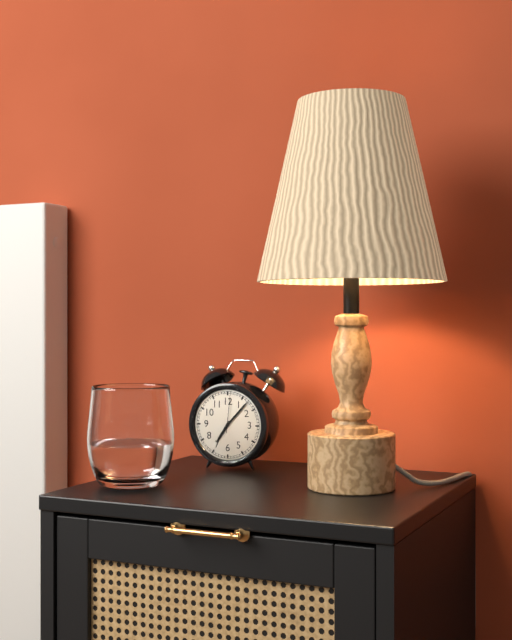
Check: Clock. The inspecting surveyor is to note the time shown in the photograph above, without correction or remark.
7:07
